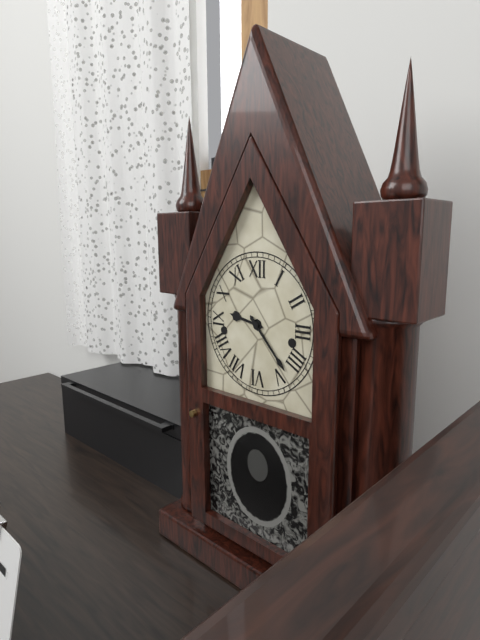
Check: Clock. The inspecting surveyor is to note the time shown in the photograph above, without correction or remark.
9:23
